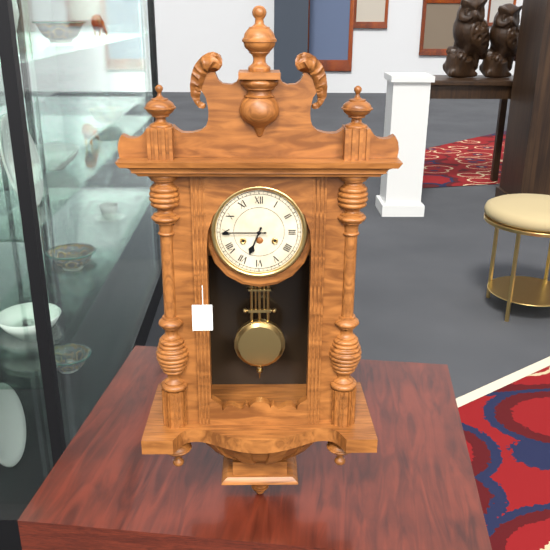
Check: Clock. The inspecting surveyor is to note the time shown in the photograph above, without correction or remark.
6:45
